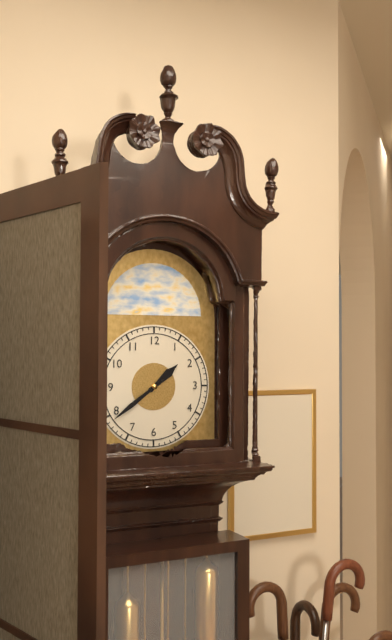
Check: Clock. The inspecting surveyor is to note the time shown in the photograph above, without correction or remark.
1:39
